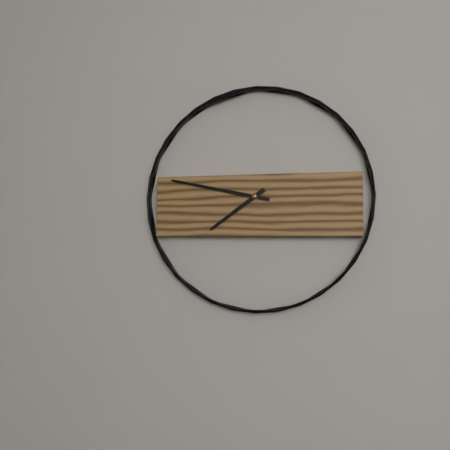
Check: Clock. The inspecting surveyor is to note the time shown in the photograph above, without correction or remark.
7:47
